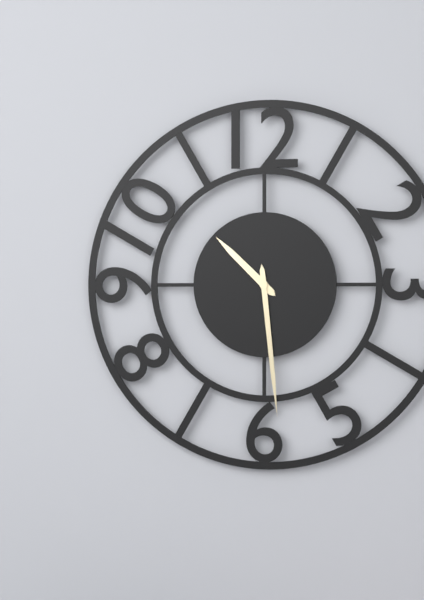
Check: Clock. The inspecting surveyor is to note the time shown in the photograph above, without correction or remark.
10:29
